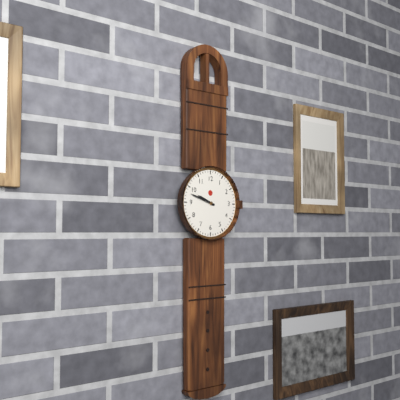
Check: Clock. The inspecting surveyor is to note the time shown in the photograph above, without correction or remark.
9:48
